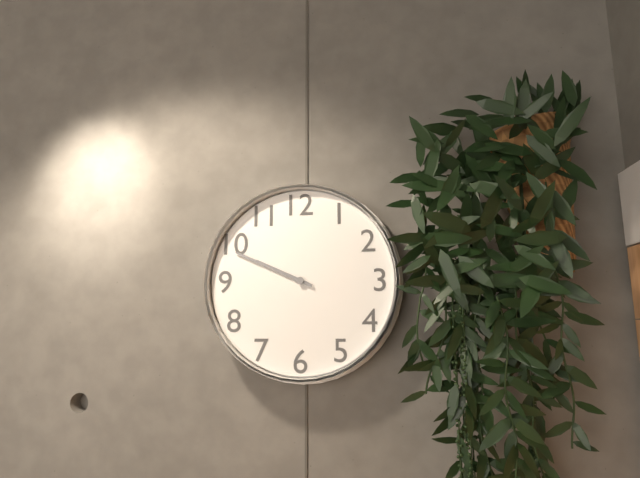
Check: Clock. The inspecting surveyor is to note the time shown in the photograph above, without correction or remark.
9:49
